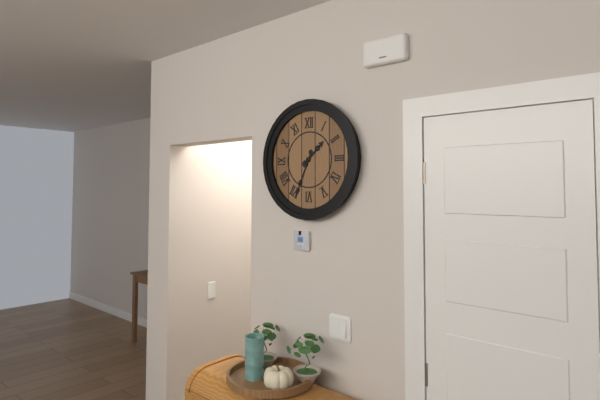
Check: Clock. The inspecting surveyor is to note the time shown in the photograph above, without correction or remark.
1:34
